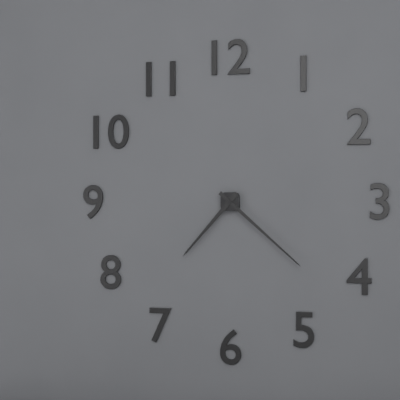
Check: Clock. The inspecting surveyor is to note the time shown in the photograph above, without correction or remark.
7:22
